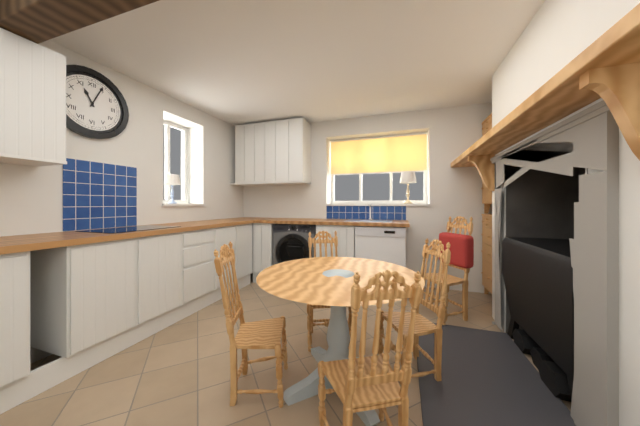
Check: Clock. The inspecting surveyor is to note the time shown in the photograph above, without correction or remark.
11:04
